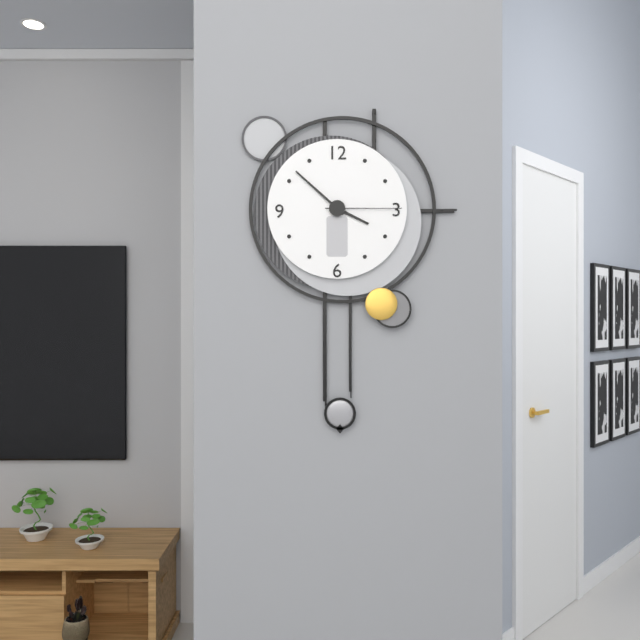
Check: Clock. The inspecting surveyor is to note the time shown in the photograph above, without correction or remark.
3:52:15
